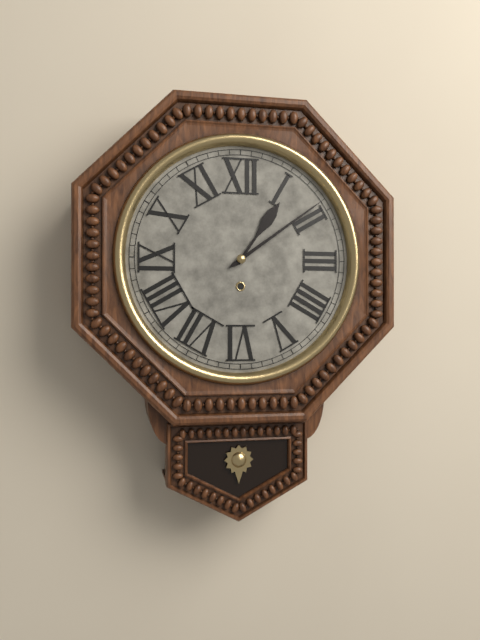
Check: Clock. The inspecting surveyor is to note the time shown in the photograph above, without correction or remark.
1:09
